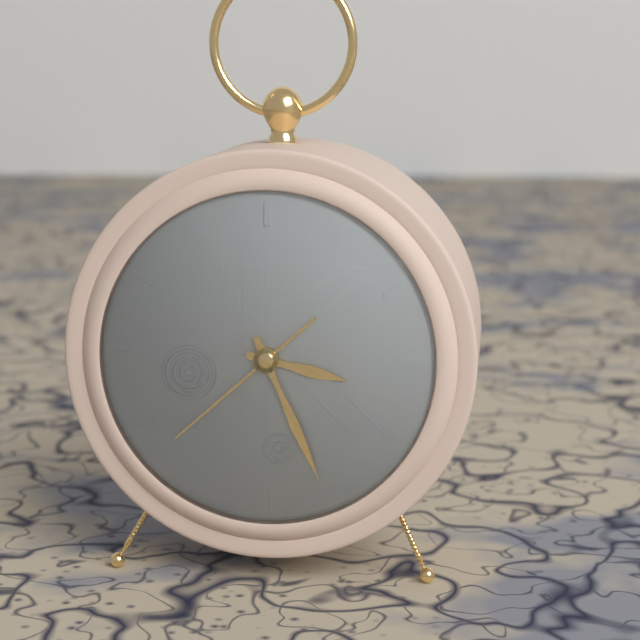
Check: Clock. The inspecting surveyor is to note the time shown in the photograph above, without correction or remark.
3:26:38
